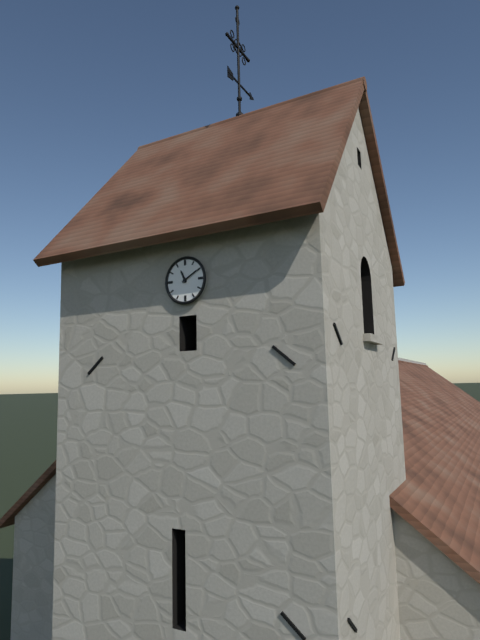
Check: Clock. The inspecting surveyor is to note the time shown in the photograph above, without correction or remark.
11:10
